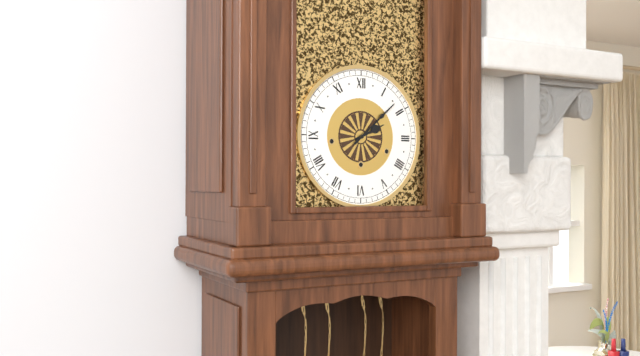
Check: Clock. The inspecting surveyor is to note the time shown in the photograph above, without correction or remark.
2:08
